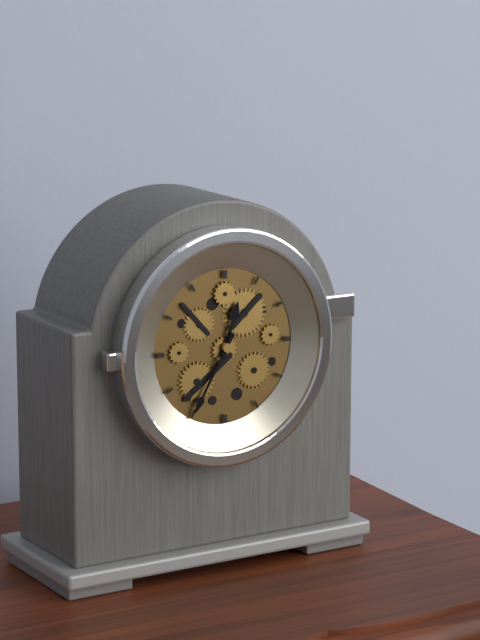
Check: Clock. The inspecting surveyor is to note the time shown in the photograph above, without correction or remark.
12:35
